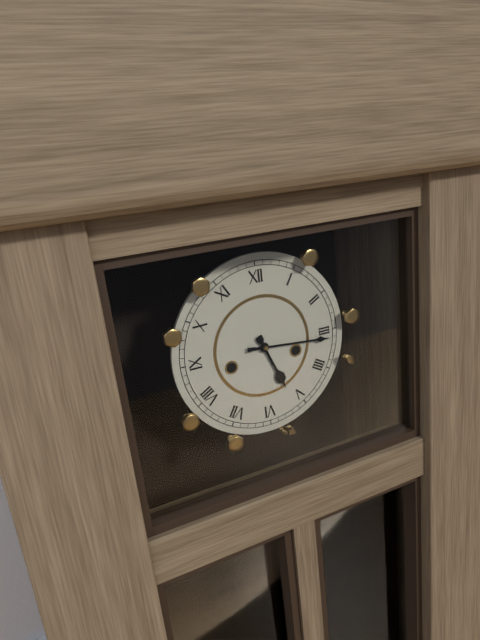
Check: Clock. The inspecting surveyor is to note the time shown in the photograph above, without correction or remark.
5:16
